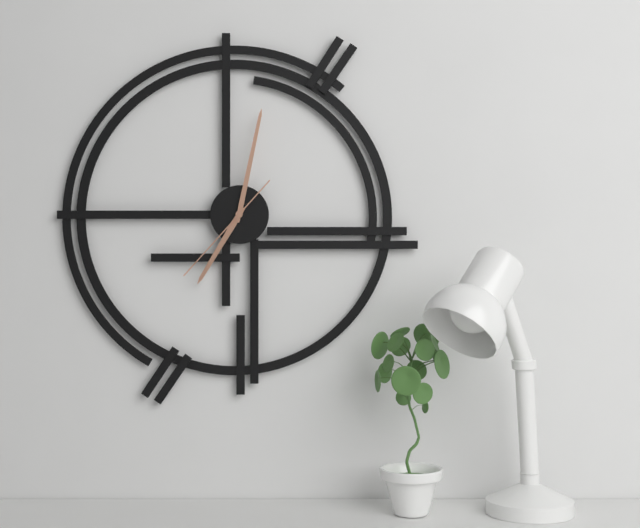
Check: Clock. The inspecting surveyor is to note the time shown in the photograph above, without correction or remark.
7:02:37
